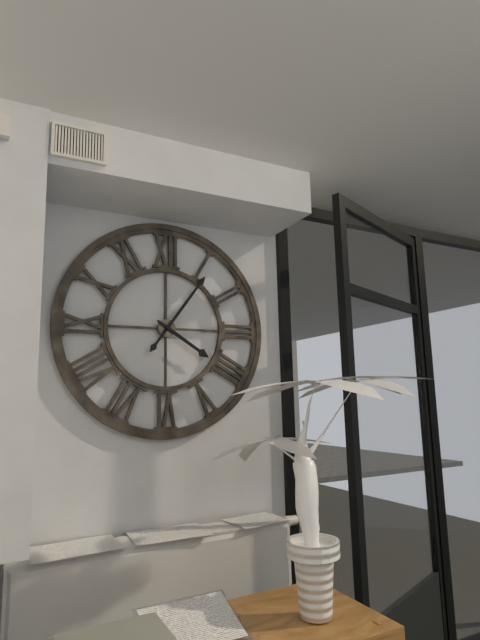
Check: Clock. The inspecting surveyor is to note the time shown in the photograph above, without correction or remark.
4:06
